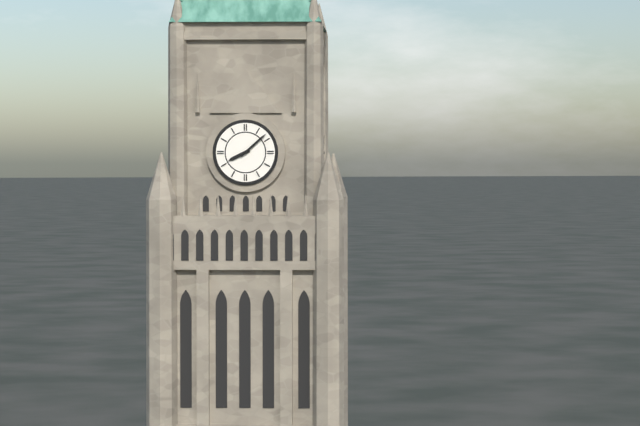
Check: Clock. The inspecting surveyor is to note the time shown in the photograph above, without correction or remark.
8:08
